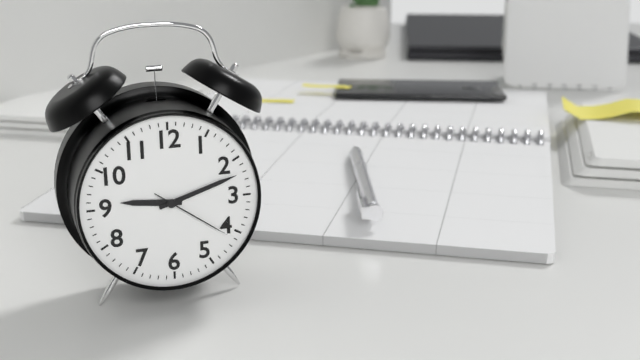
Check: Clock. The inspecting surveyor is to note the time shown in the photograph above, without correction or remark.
9:12:21
